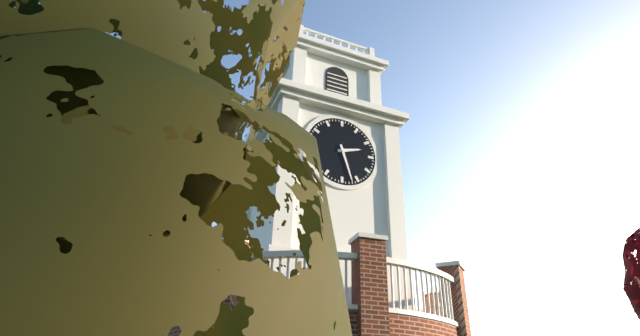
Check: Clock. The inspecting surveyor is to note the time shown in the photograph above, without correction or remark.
2:27
